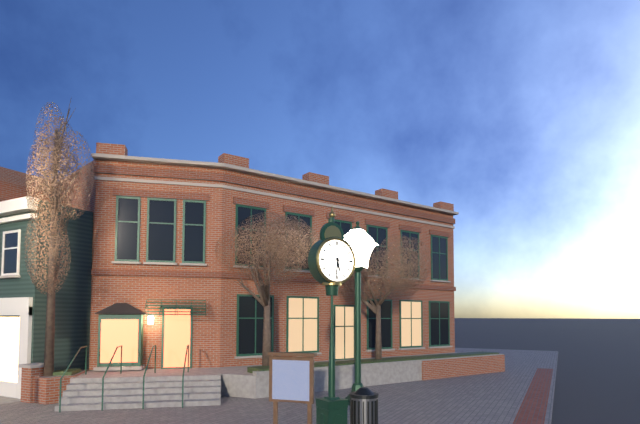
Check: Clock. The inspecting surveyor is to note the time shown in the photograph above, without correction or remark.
5:31
